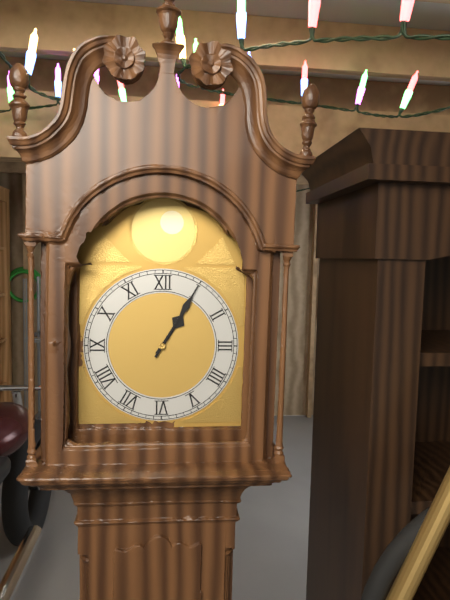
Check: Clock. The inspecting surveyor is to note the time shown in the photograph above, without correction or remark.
1:05
